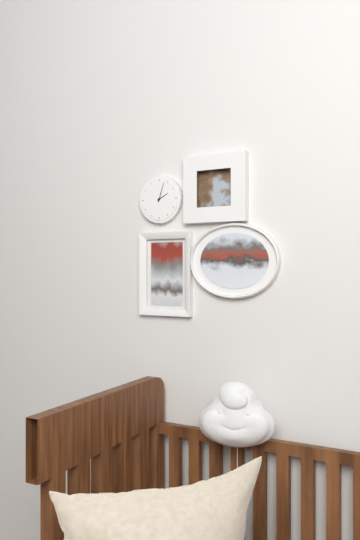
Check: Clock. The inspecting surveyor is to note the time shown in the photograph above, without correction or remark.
2:03
